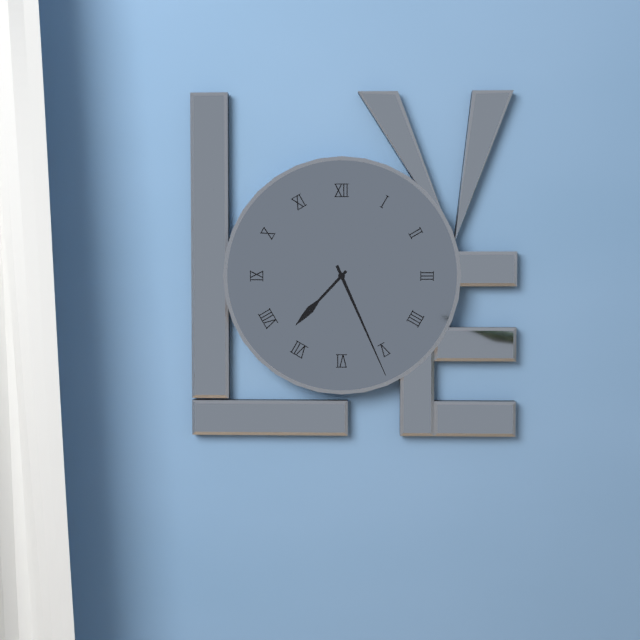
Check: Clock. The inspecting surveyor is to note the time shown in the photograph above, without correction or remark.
7:26
